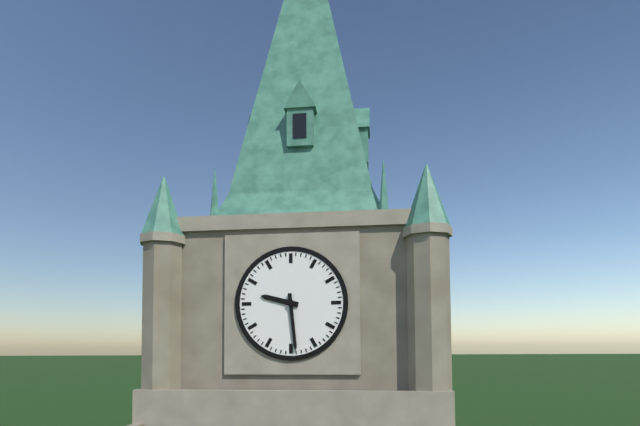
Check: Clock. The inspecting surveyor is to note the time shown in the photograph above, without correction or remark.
9:29
